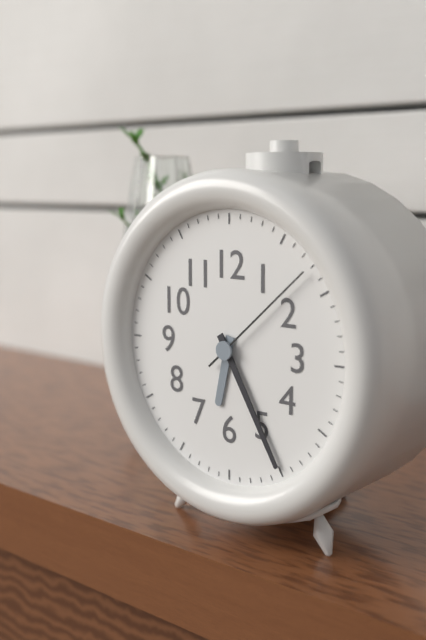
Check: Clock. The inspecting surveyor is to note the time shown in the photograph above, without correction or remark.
6:25:08
